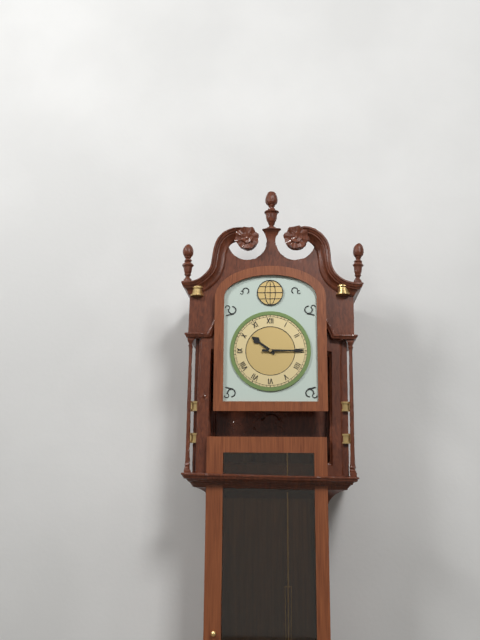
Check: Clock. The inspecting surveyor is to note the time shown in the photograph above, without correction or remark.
10:15
